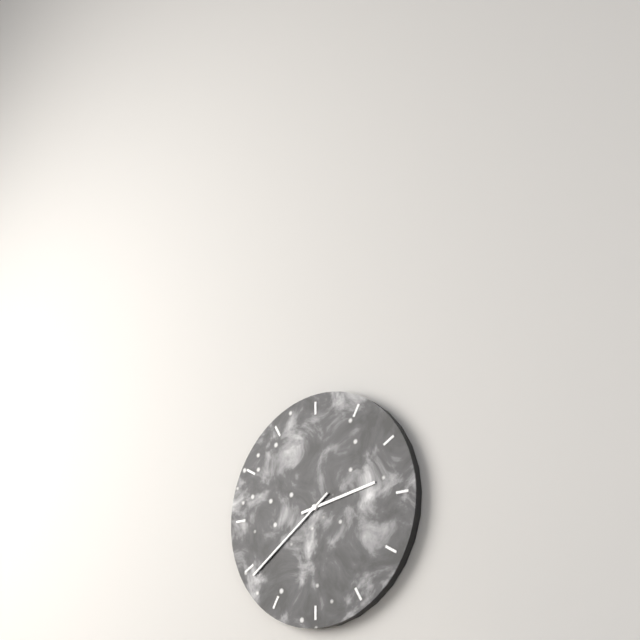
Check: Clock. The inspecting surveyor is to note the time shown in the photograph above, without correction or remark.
2:39
